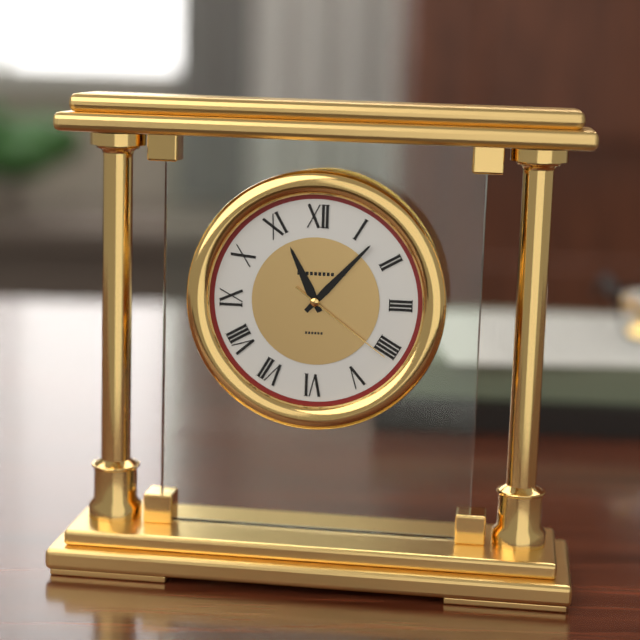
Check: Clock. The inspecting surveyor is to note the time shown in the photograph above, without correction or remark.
11:07:21
